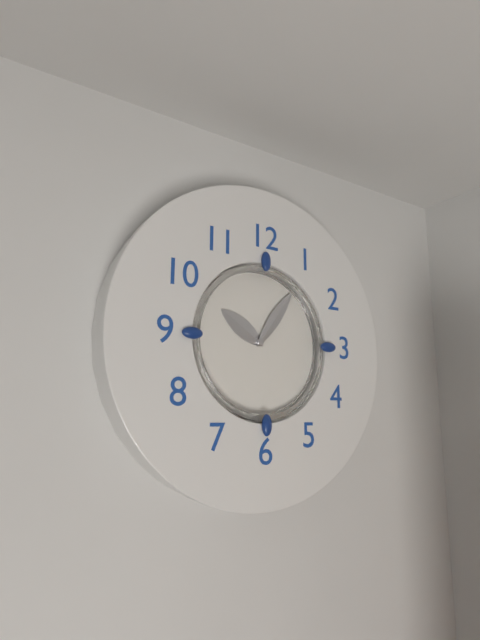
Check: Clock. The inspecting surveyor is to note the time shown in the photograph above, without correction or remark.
10:06
